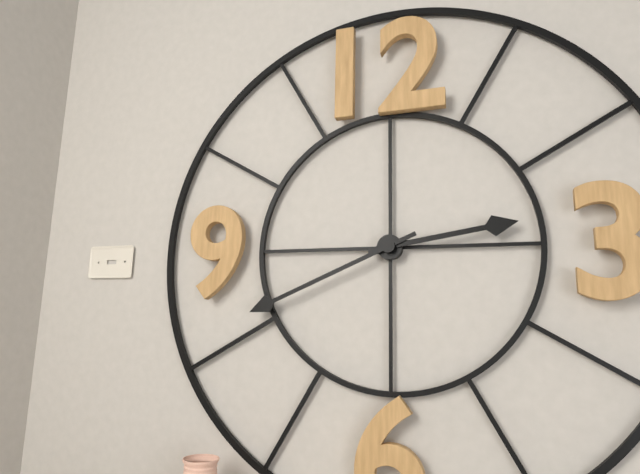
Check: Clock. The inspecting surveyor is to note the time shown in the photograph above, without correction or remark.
2:41
